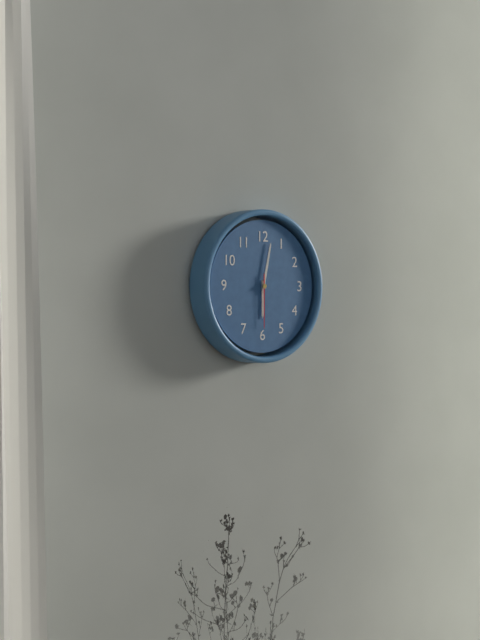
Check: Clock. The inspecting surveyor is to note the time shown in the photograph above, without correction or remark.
6:02:30
